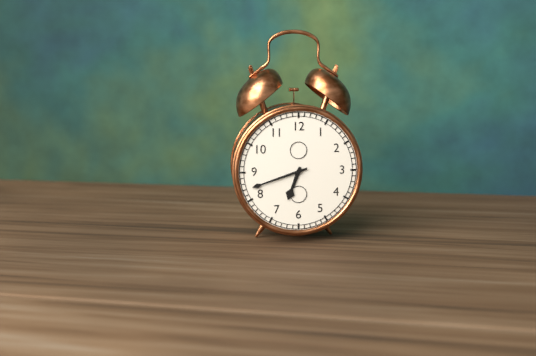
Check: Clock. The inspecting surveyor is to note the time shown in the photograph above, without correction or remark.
6:42
